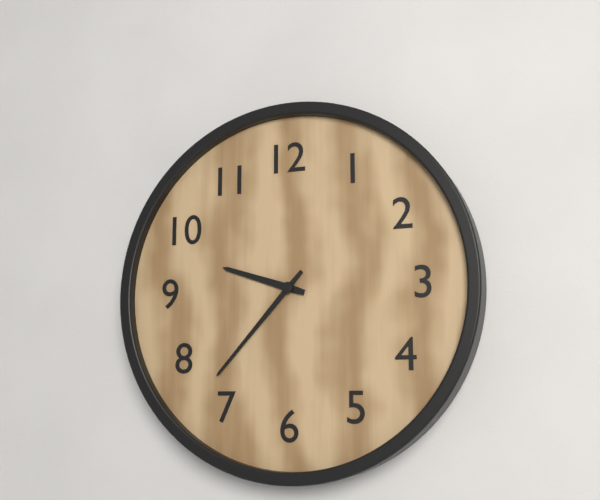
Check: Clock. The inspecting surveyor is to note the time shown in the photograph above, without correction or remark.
9:37
